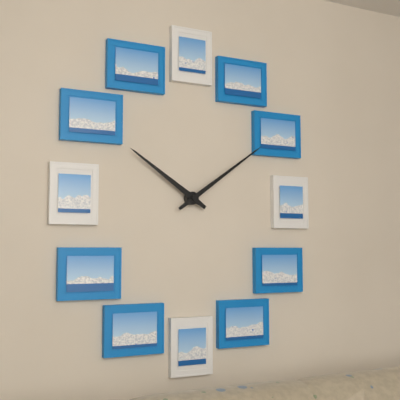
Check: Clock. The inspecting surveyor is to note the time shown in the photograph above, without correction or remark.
10:09
